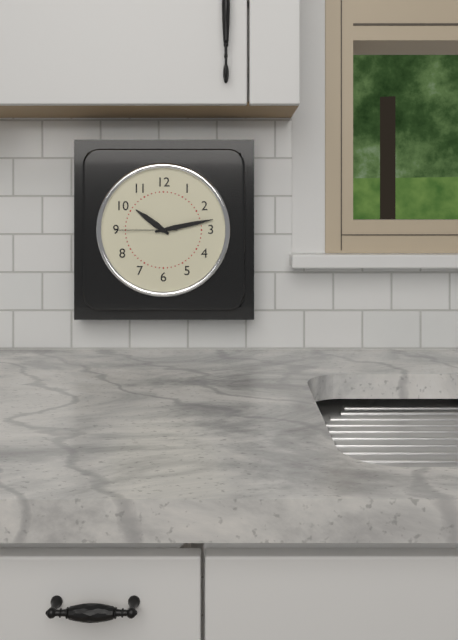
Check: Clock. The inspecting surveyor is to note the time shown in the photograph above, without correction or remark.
10:13:45
